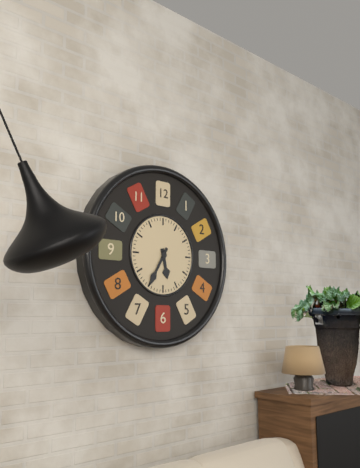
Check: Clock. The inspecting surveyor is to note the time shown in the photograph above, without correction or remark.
5:35
